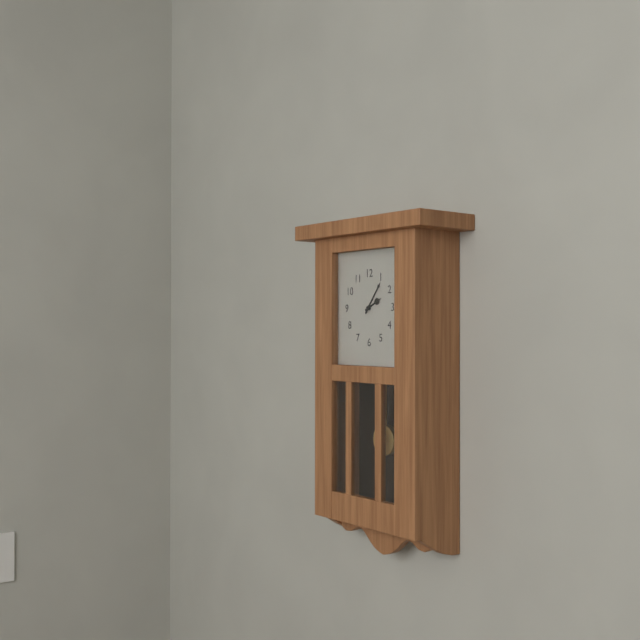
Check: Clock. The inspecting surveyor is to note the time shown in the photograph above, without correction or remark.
2:06
